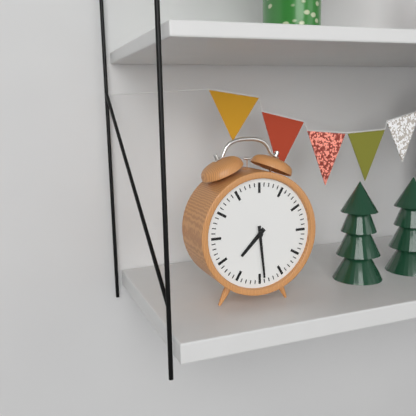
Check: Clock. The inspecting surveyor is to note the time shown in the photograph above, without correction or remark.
7:29
